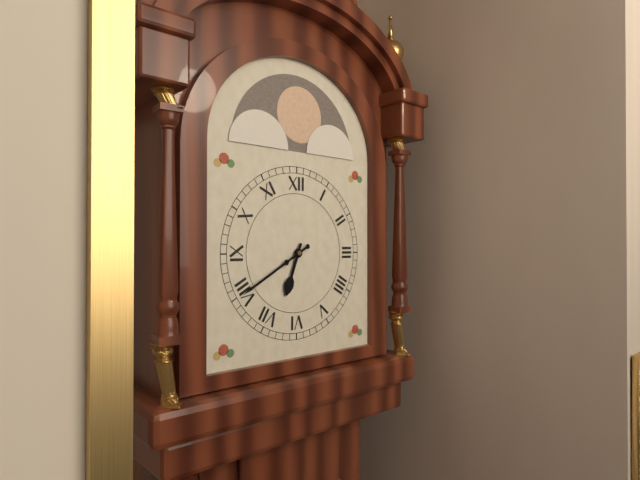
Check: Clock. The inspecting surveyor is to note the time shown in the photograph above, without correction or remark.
6:40
